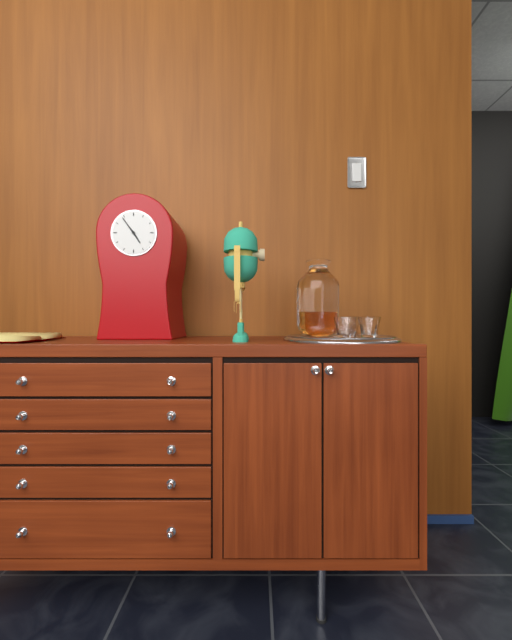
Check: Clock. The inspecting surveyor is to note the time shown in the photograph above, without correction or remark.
4:54
